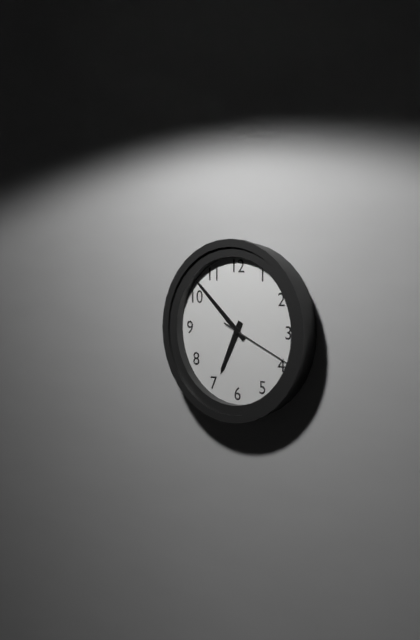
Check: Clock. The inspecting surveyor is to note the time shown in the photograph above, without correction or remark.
6:52:19
